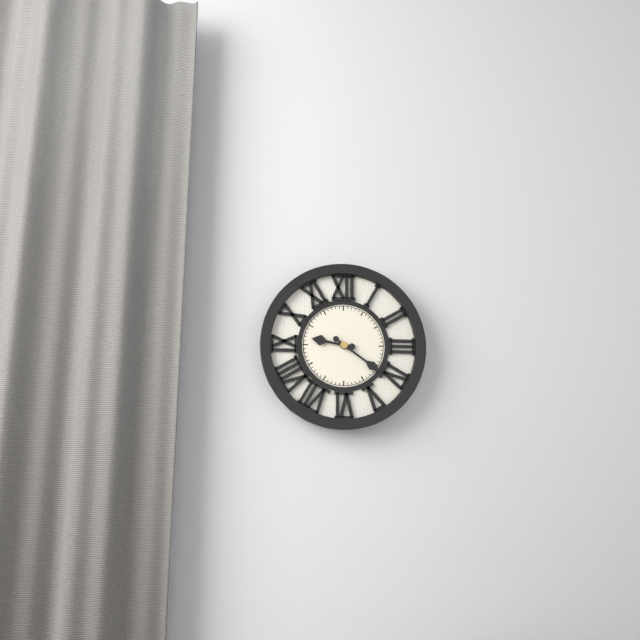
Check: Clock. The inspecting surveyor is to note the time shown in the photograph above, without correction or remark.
9:21
